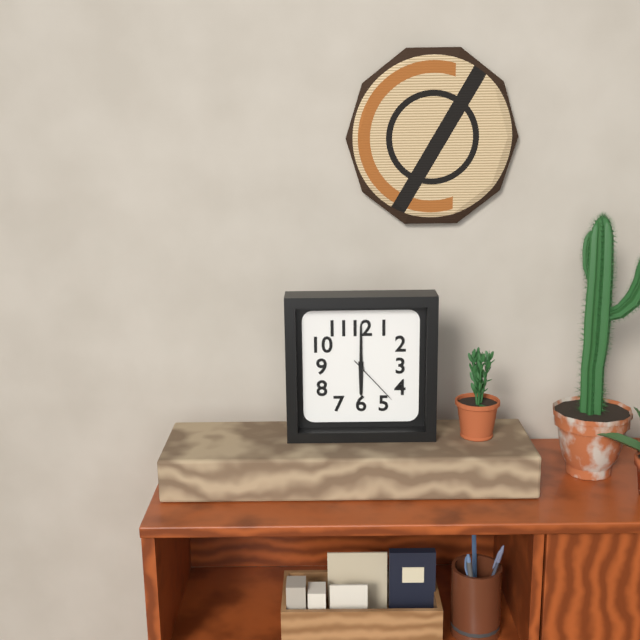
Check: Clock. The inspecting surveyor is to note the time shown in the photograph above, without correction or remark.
6:00:23
